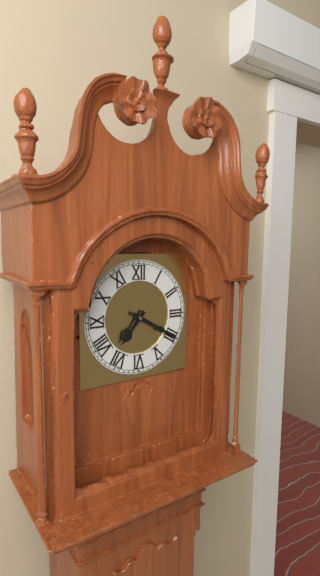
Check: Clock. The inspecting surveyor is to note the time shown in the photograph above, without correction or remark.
7:20
